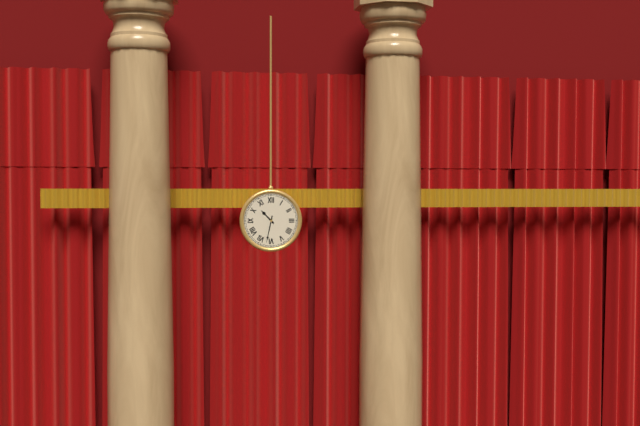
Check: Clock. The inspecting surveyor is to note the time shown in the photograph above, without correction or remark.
10:32
